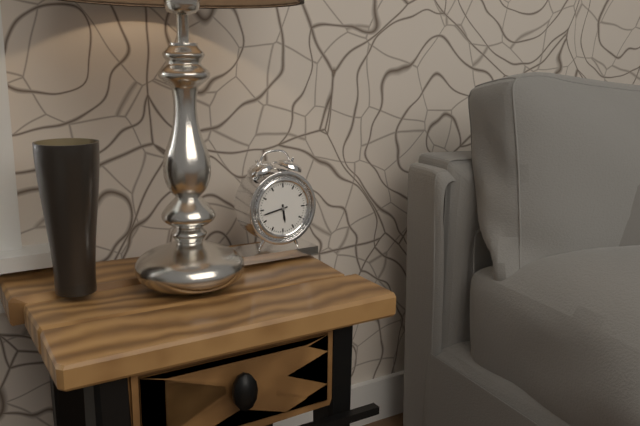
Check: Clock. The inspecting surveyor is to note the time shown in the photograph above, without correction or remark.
5:43
